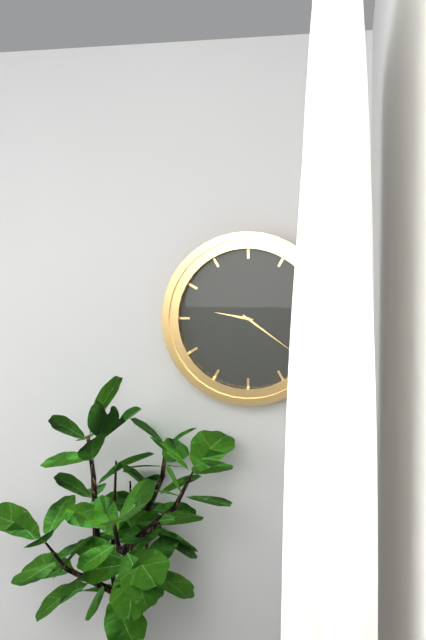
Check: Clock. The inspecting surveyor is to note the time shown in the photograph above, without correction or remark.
9:21
